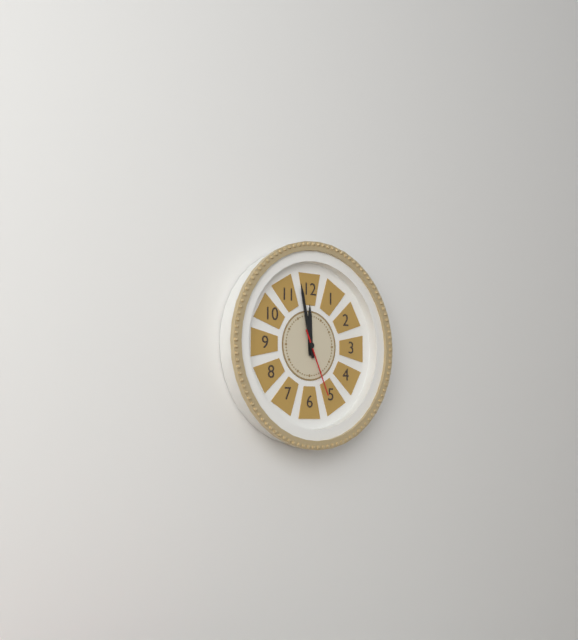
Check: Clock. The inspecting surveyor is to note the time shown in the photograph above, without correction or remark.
11:58:26
